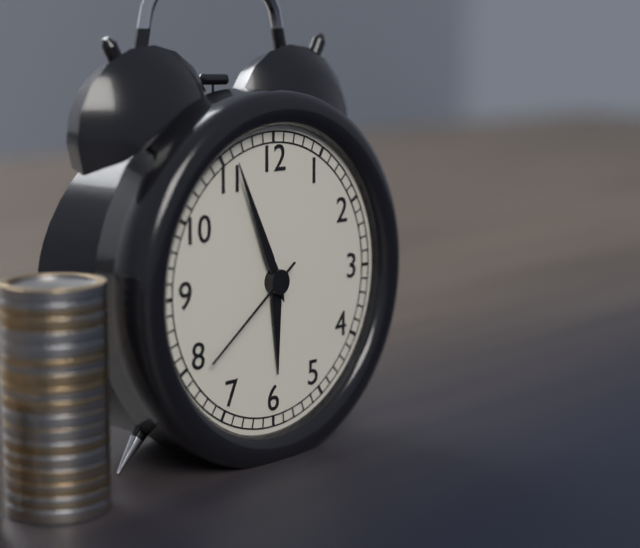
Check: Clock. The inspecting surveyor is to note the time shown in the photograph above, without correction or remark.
5:56:39
